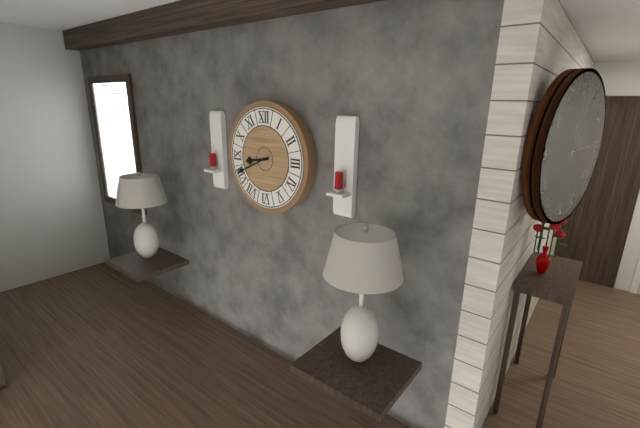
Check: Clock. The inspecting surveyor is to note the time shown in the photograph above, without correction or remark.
8:41
